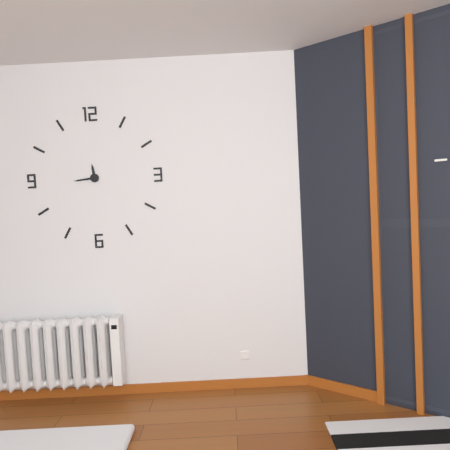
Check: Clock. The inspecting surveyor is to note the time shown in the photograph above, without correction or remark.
11:44
